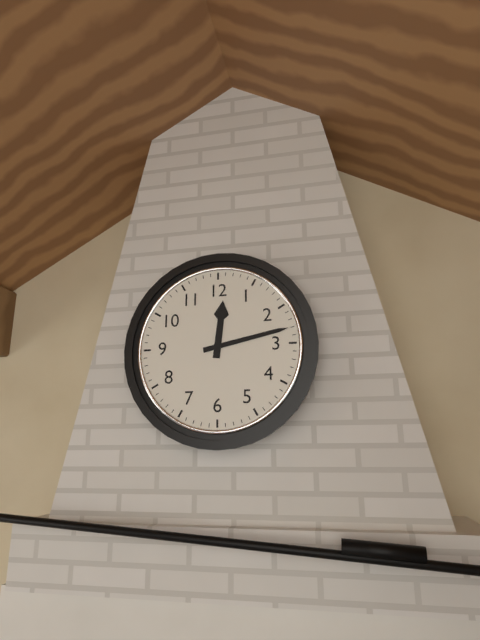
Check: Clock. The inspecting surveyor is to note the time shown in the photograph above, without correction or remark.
12:13
